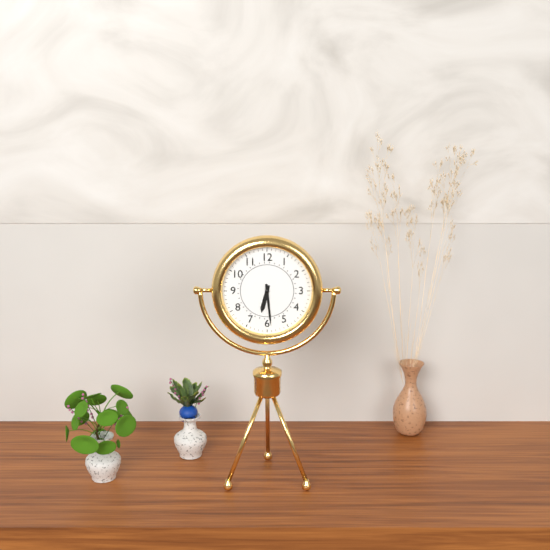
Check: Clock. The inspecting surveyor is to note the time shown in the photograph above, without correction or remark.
6:29
